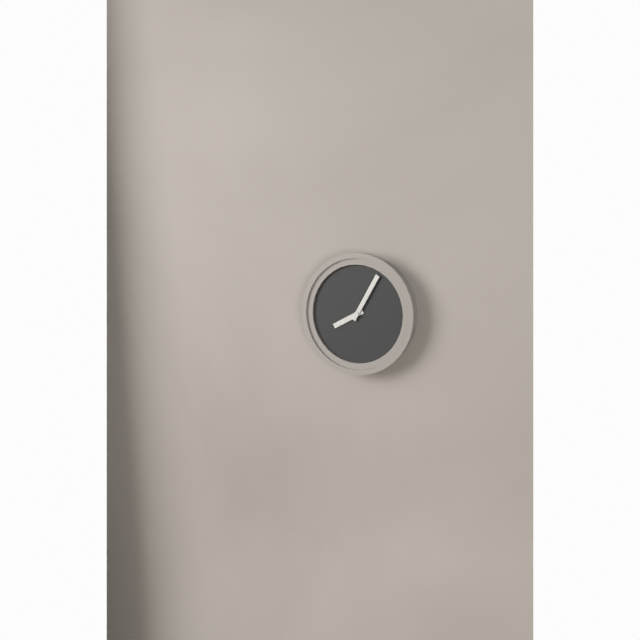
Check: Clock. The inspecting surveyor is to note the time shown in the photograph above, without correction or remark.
8:05
